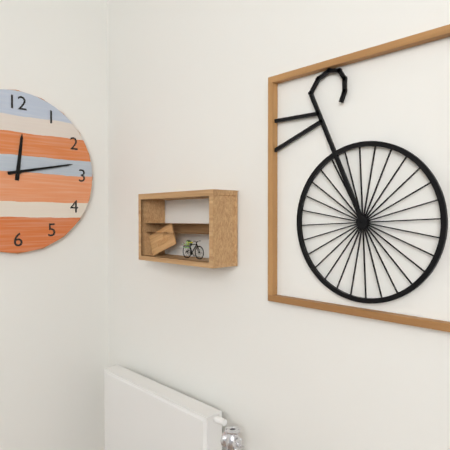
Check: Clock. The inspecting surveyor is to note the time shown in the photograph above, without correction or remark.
12:13
